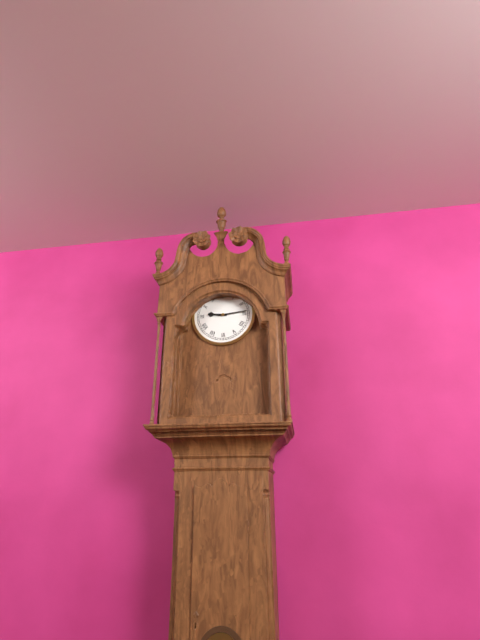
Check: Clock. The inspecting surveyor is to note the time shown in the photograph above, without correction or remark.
9:14
